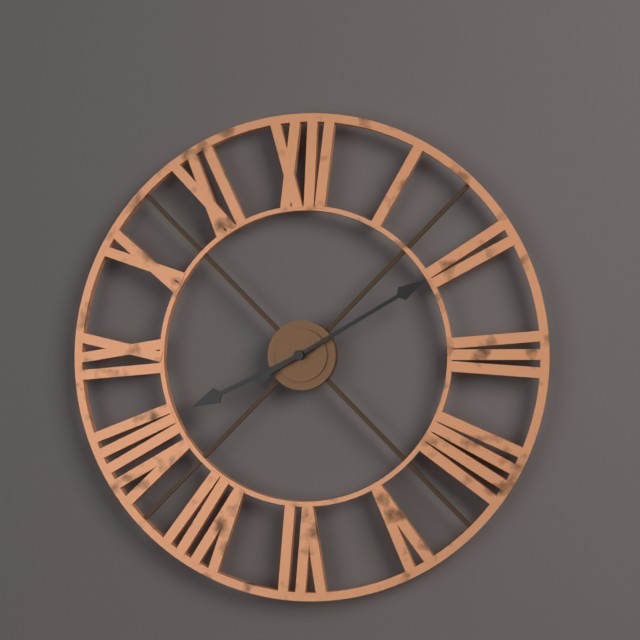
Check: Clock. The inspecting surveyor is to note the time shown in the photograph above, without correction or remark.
8:10
